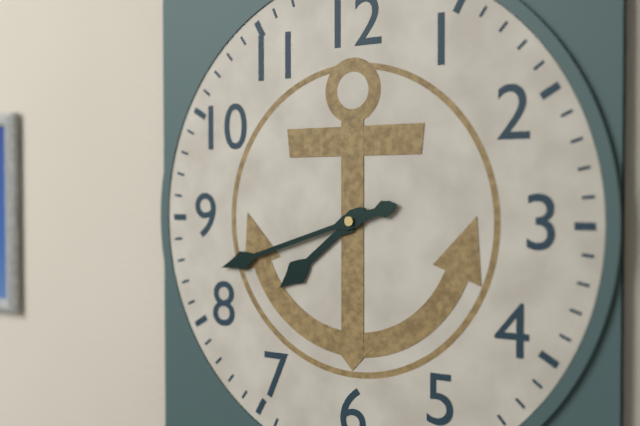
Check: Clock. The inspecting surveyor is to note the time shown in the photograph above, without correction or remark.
7:42
